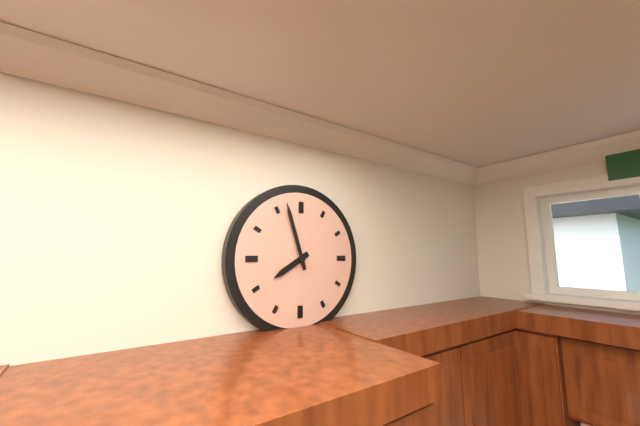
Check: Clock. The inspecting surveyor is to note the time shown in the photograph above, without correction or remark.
7:57
